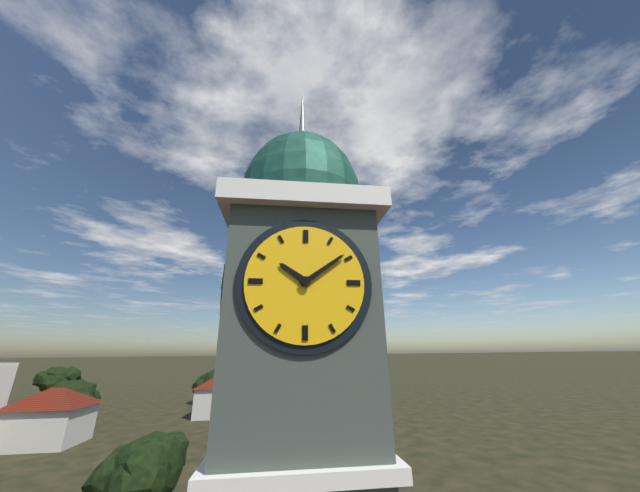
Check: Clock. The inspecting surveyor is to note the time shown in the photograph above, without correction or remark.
10:09
